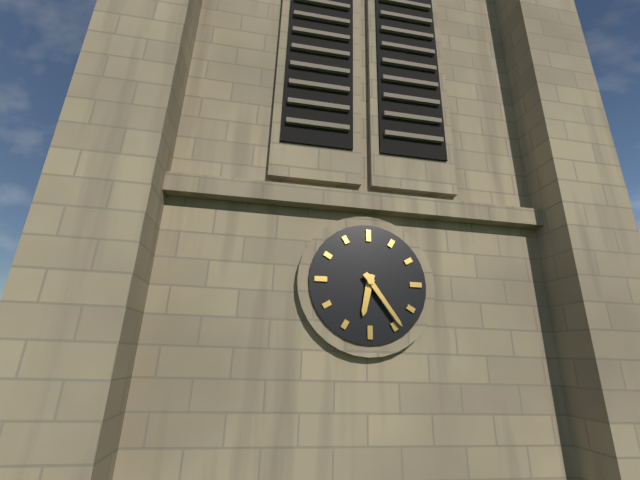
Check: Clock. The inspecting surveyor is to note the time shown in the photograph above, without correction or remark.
6:24
